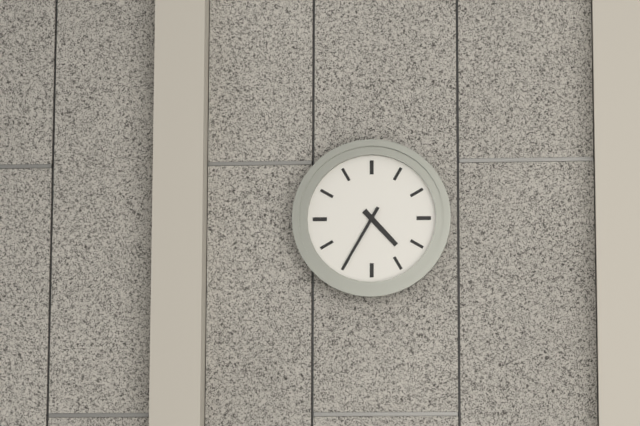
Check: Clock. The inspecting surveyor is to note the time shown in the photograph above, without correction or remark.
4:35
